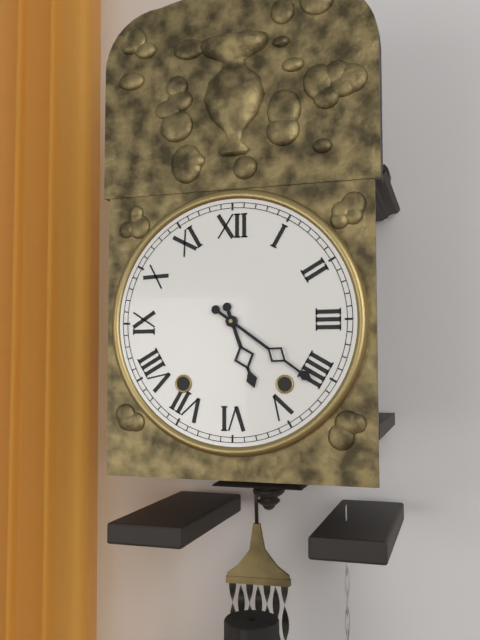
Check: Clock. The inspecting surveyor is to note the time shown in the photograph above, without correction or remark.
5:21
